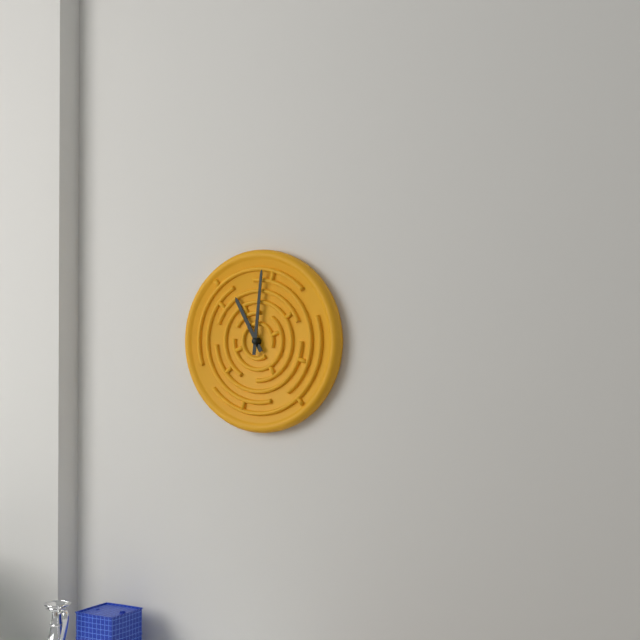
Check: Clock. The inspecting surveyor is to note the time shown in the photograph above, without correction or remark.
11:01
